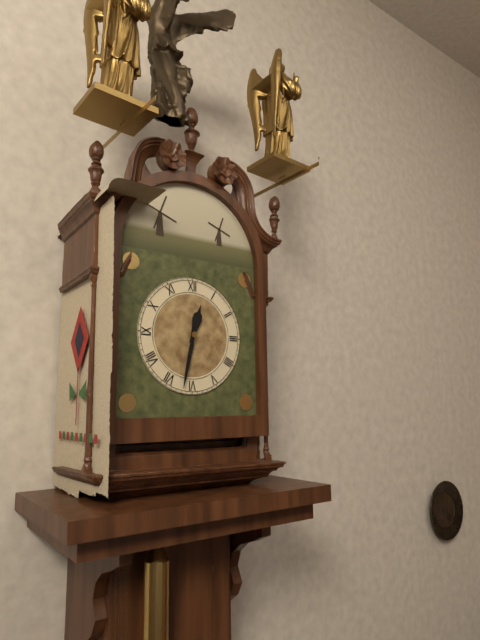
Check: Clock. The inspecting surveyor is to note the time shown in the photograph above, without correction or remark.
12:32
